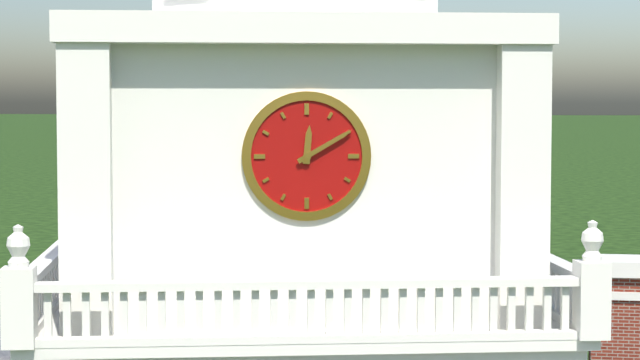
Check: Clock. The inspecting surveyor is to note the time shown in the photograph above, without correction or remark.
12:10
